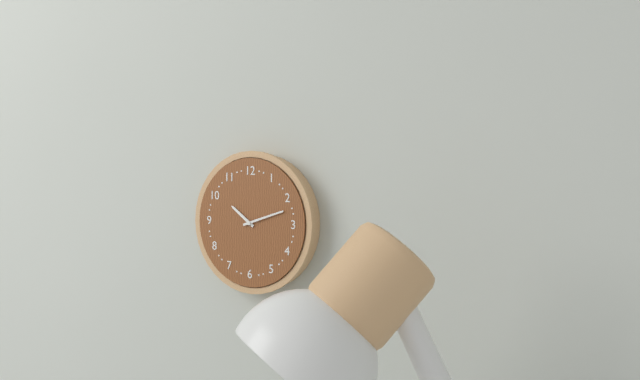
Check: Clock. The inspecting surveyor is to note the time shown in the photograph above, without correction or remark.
10:12
